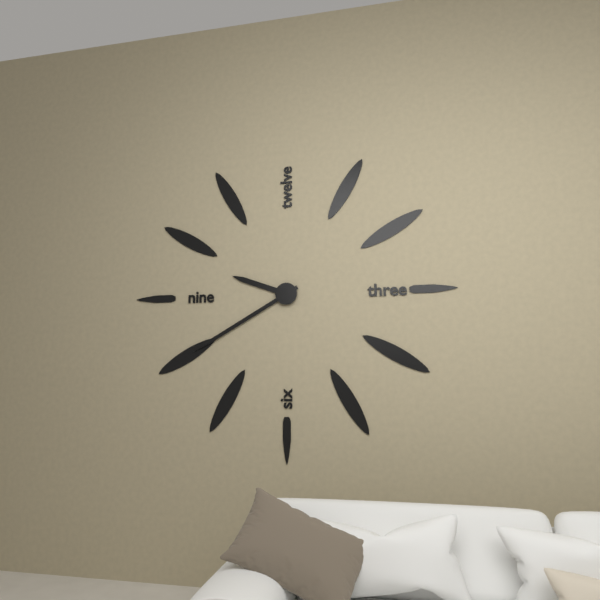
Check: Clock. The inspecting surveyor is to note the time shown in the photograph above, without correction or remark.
9:40
